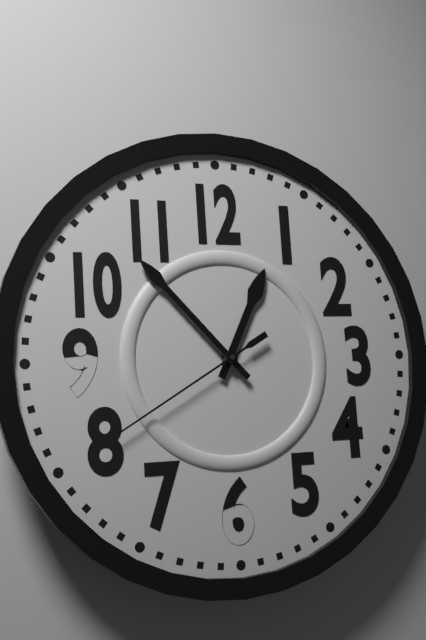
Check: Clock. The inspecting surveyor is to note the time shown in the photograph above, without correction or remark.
12:53:40
